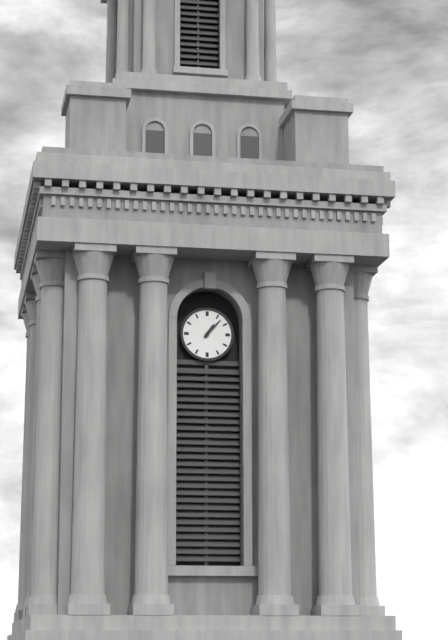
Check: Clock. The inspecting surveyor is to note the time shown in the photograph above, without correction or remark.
1:07
